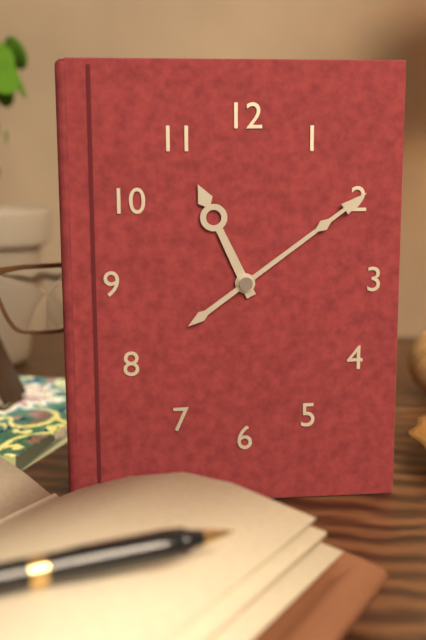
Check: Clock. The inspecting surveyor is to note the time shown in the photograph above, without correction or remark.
11:09
